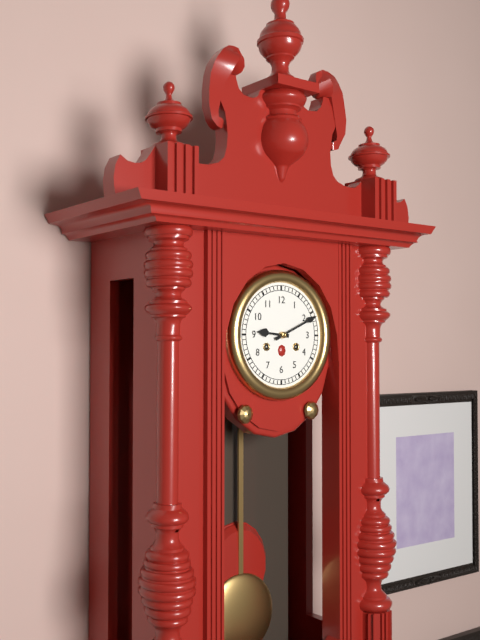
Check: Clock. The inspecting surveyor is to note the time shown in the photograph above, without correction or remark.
9:11
